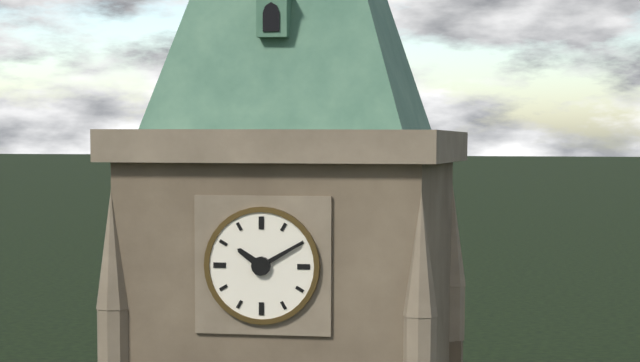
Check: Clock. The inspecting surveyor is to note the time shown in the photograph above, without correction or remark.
10:10
